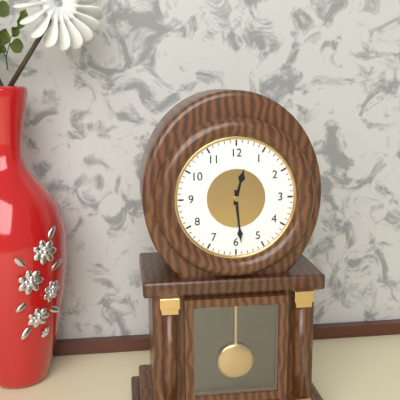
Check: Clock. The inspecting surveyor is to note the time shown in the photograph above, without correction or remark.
12:29
